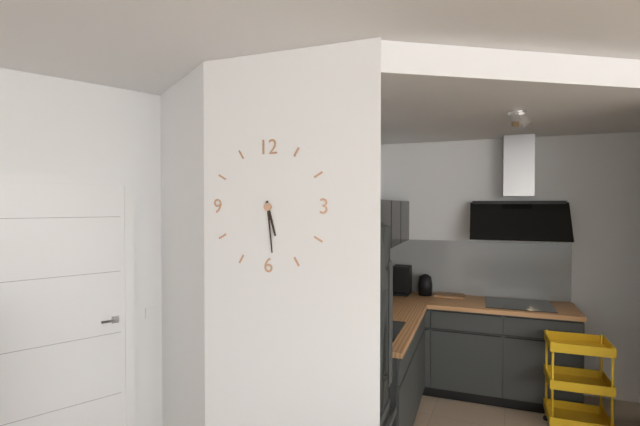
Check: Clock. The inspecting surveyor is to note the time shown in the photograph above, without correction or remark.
5:29
